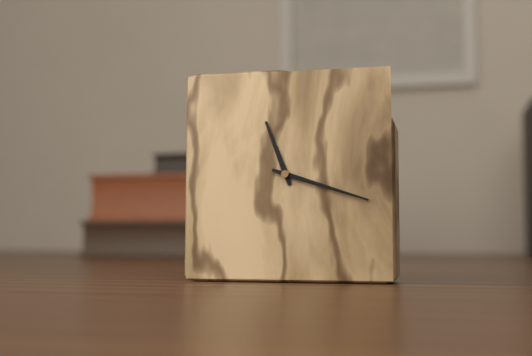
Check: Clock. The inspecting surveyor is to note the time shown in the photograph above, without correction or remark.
11:18
